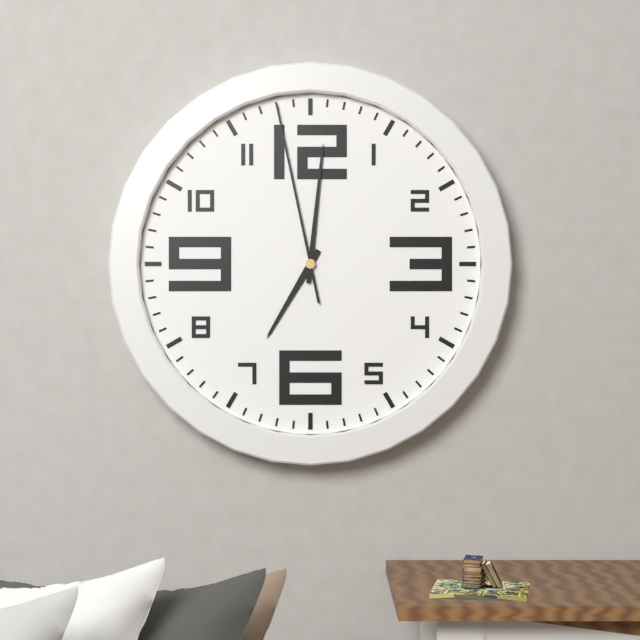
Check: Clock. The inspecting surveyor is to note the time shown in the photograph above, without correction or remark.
7:01:58
